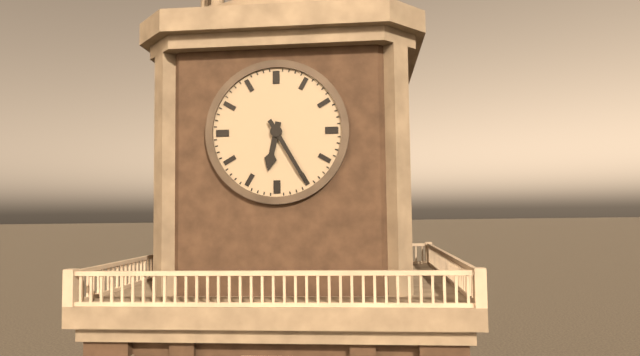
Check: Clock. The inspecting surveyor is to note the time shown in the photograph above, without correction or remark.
6:25
